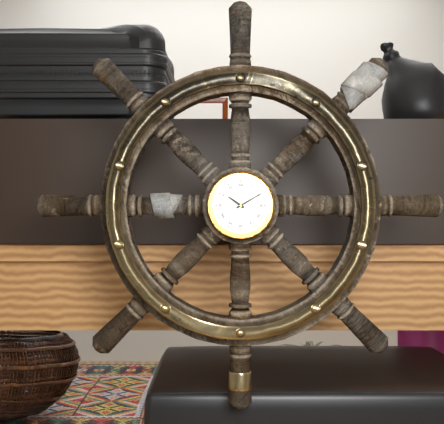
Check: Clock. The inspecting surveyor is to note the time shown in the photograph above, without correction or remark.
10:10
